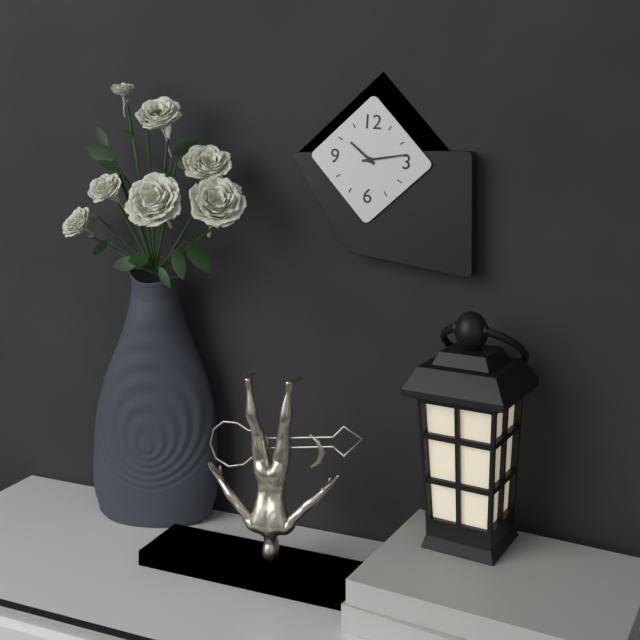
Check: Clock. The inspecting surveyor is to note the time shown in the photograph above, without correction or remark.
10:13
